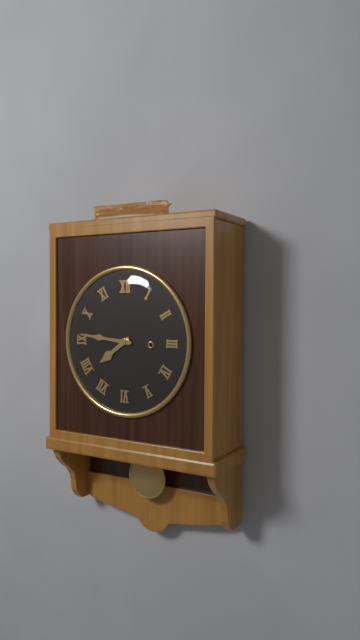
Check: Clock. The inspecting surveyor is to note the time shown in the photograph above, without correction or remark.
7:46
